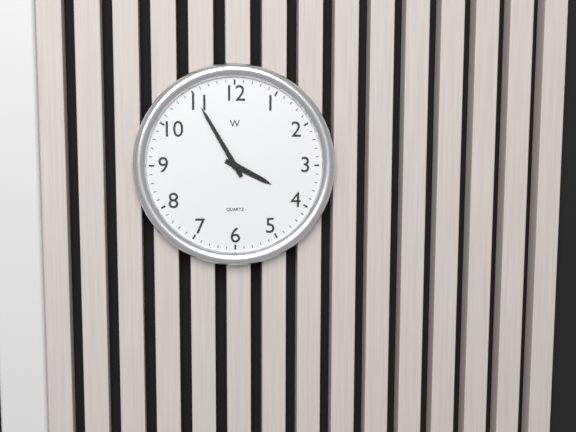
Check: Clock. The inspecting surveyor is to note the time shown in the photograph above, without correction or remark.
3:55
